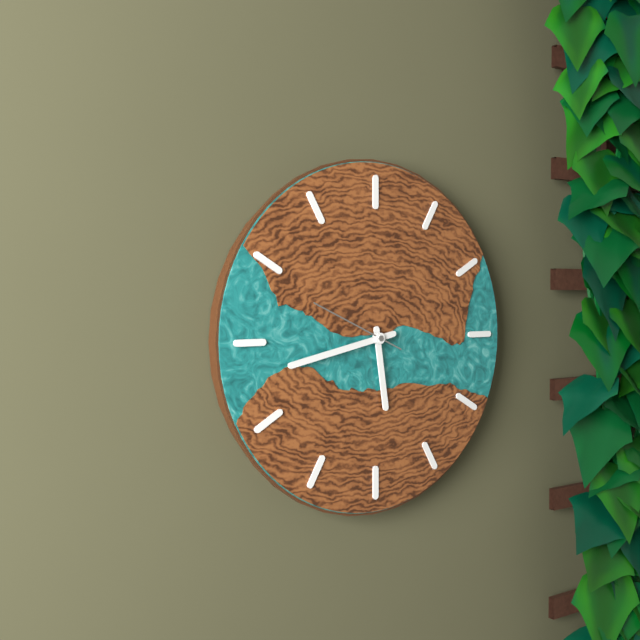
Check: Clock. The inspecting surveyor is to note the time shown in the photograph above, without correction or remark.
5:43:49
